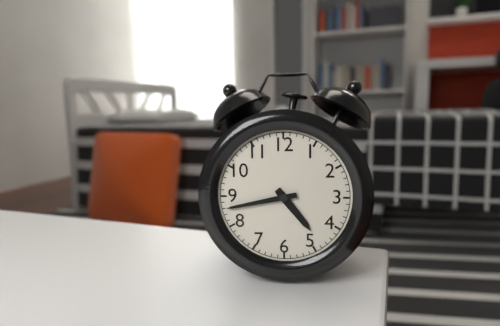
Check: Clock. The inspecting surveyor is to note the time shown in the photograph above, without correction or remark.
4:43
